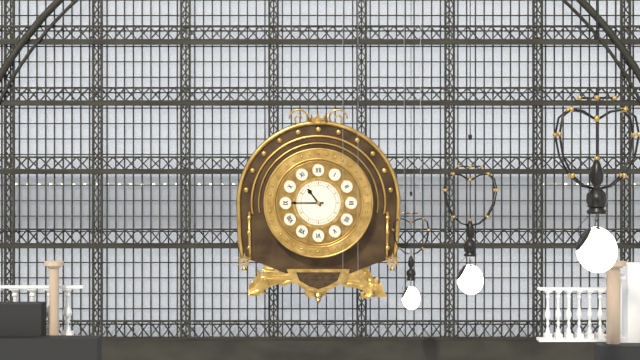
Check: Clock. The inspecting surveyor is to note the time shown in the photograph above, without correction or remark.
10:45
